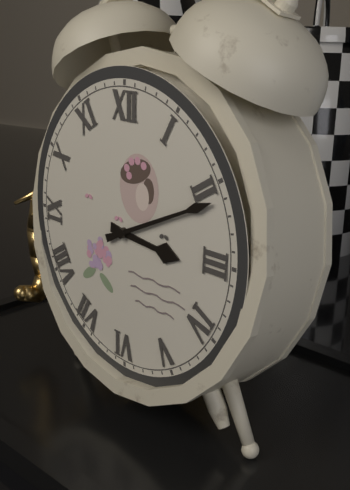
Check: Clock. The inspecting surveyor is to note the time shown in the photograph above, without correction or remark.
3:11
